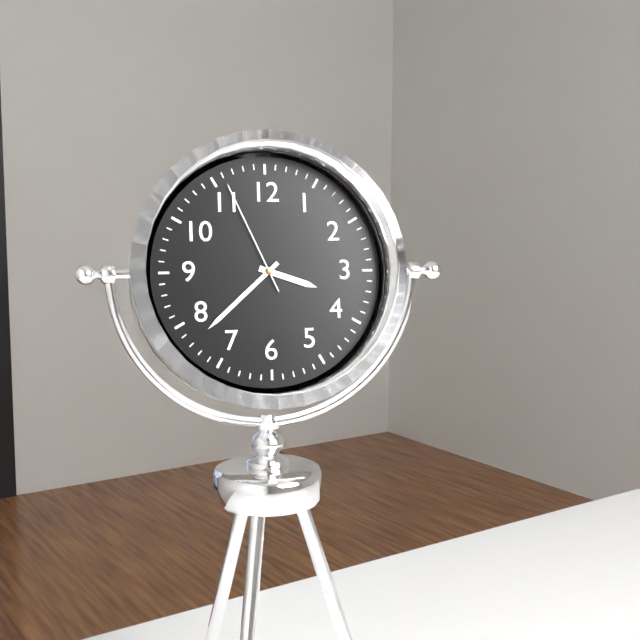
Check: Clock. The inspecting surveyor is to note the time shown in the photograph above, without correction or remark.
3:38:56
